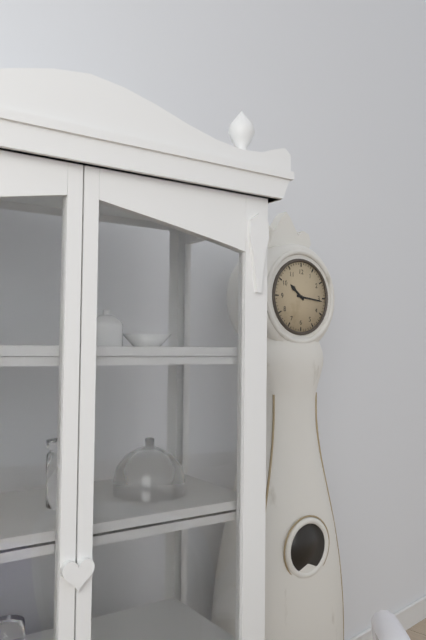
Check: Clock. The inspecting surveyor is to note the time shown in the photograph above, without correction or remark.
10:16
